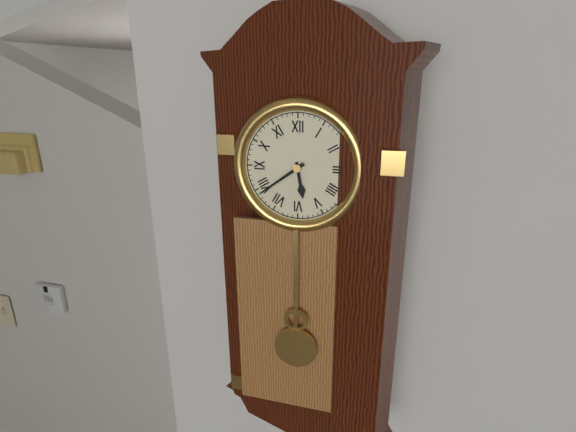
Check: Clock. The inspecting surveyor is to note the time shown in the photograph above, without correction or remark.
5:39
